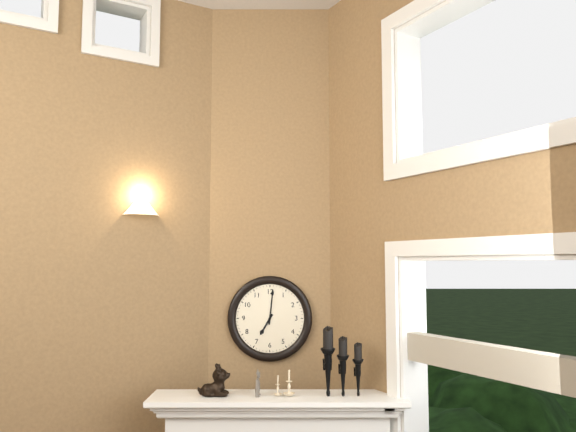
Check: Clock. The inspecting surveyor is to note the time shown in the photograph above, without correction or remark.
7:01
